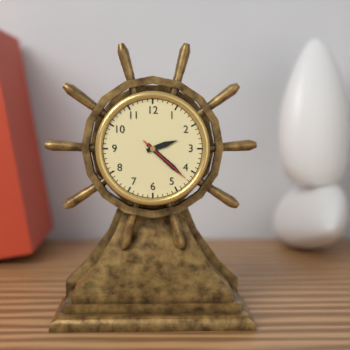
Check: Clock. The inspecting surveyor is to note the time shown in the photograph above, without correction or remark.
2:22:22
